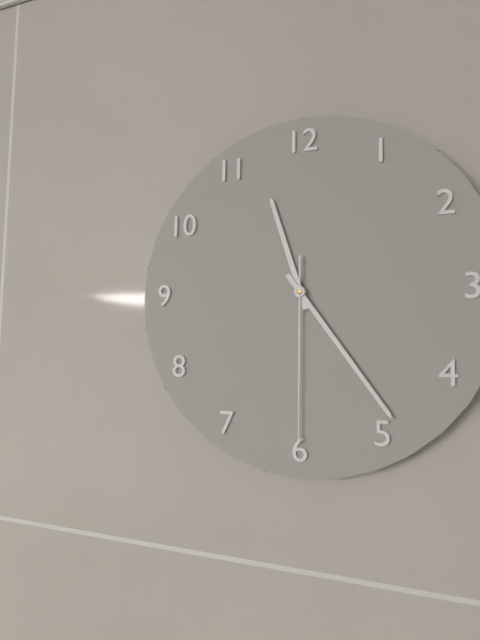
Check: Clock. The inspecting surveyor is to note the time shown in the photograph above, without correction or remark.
11:24:30
